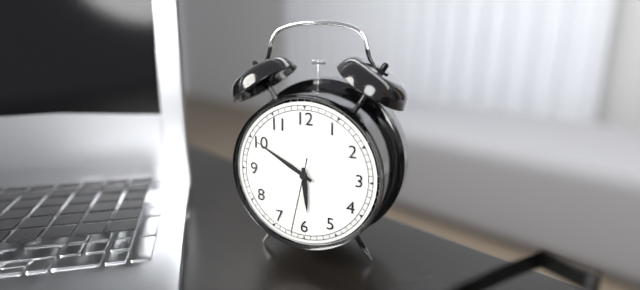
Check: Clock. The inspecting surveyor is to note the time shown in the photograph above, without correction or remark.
5:50:32
